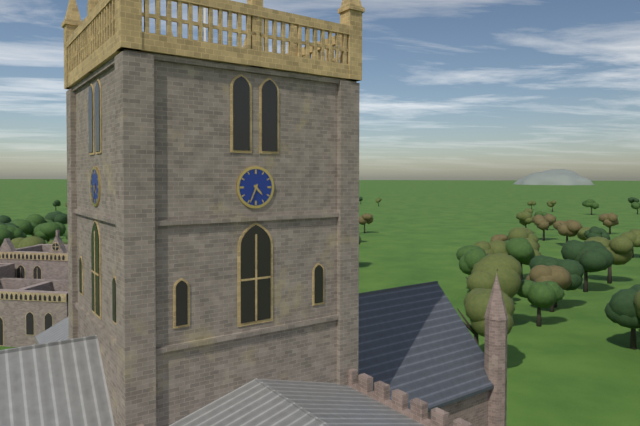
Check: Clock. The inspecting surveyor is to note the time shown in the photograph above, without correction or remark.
4:34
